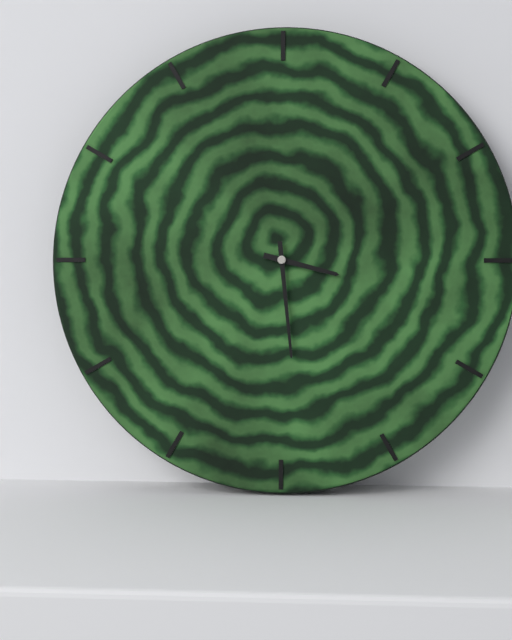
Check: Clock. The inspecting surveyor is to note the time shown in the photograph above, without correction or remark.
3:29
